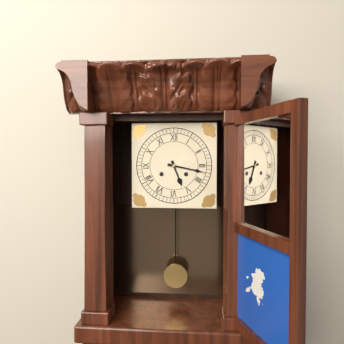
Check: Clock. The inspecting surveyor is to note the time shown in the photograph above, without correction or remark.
5:17
